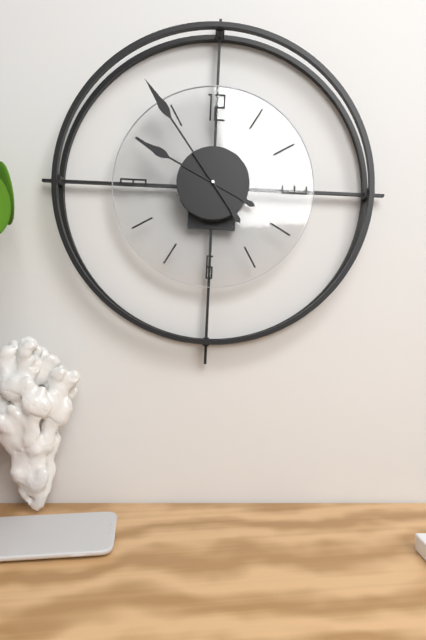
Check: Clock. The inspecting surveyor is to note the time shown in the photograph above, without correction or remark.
9:54
